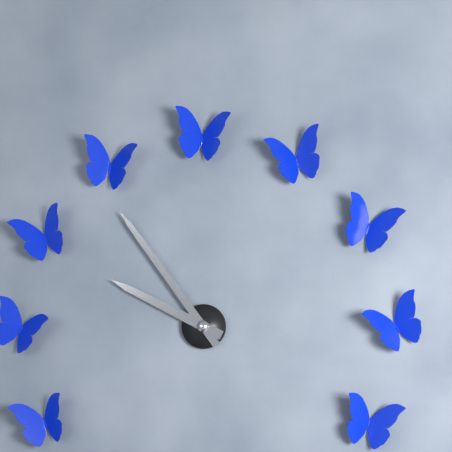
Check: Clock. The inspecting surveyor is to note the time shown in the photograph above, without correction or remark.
9:54
